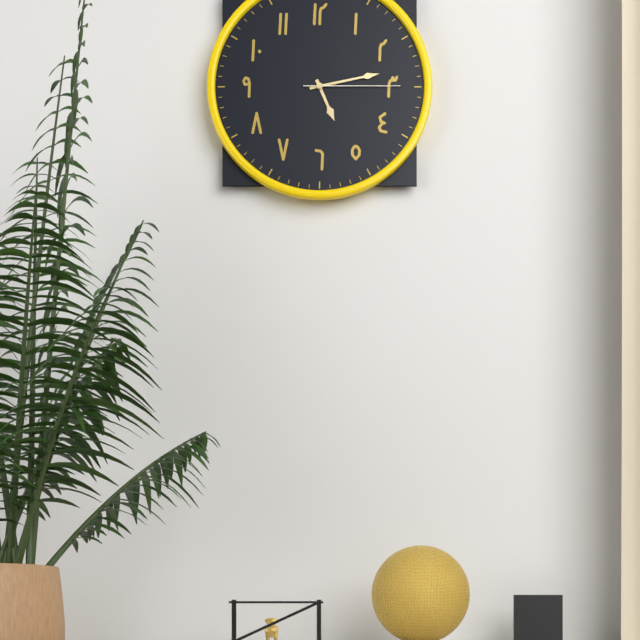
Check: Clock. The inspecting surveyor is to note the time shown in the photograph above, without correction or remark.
5:13:15
